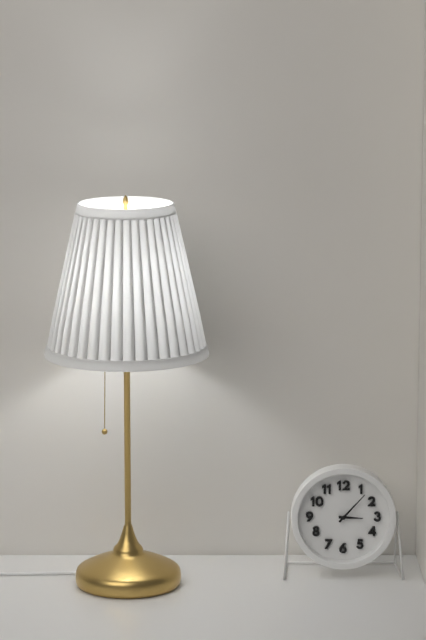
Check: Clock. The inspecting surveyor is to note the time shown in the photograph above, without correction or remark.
3:07
